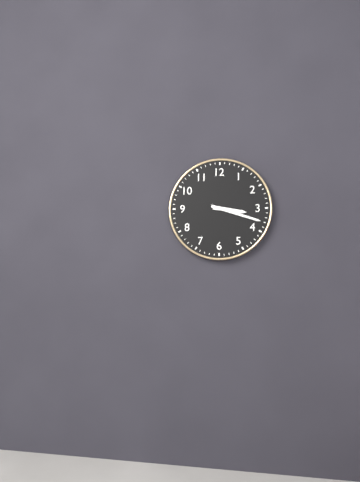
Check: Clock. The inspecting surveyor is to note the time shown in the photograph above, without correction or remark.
3:18
